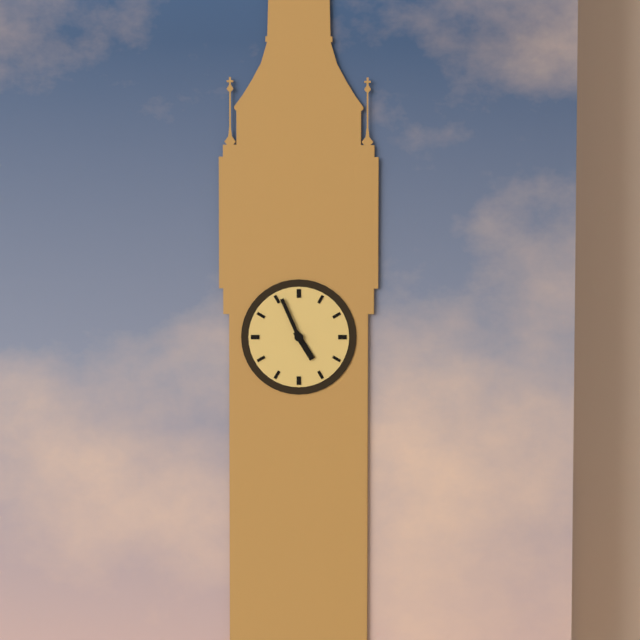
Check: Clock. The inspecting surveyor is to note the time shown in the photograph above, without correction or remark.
4:56
